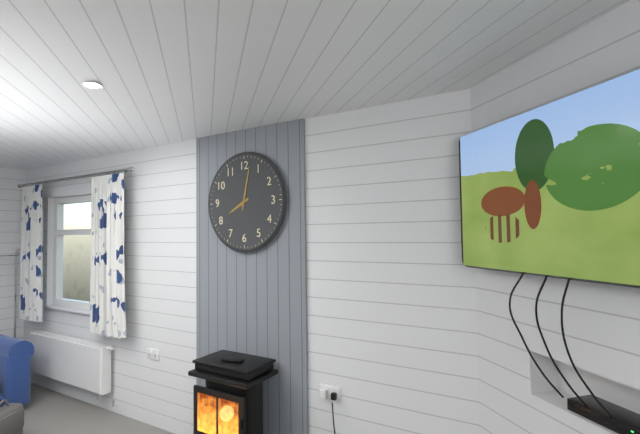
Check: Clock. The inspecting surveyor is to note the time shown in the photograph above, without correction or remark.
8:02
